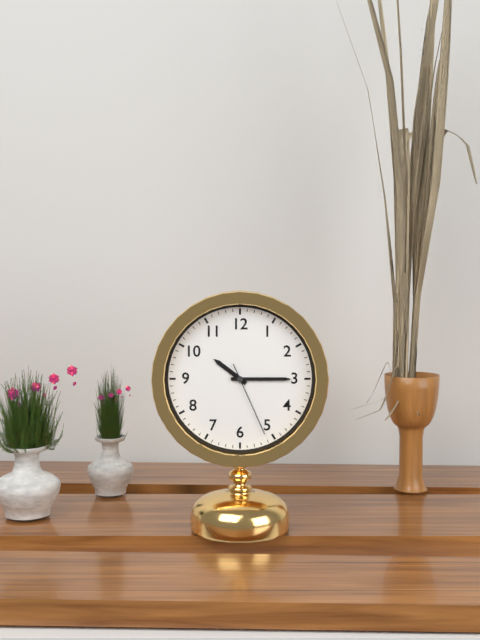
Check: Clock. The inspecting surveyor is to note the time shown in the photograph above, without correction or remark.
10:15:26
